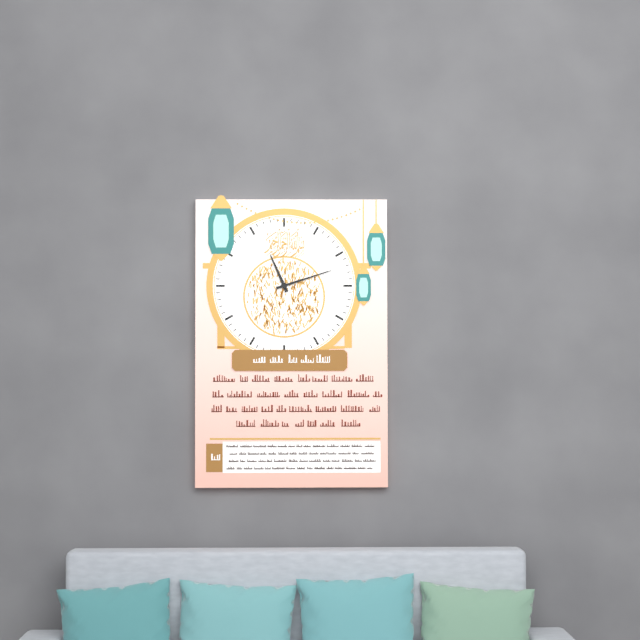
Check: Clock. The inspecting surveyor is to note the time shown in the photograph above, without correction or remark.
11:12
